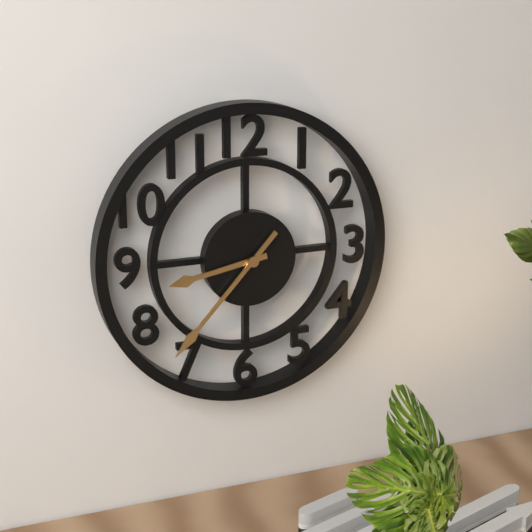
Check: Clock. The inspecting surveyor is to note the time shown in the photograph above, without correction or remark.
8:37
